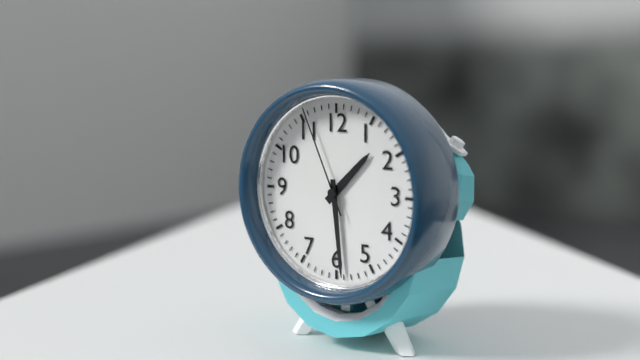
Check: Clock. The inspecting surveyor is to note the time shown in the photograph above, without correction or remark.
1:29:56
